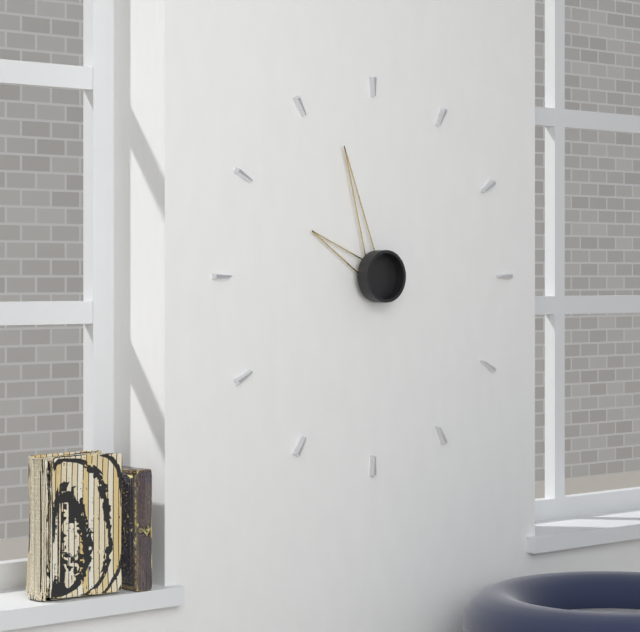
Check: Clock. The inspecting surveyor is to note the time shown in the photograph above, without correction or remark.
9:57
